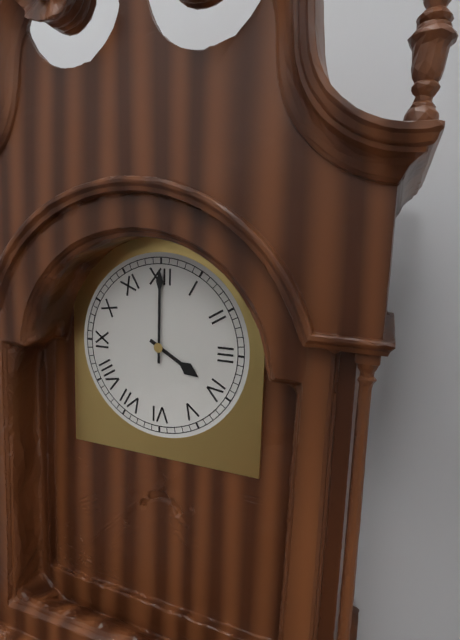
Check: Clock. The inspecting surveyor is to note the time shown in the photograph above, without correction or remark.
4:00
